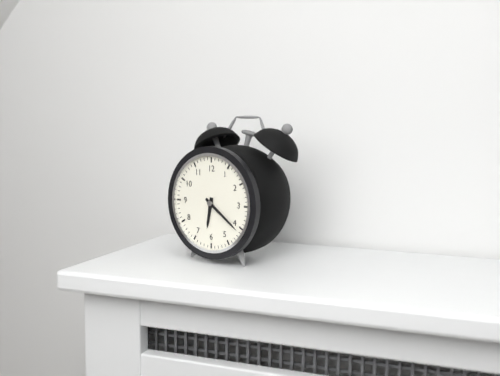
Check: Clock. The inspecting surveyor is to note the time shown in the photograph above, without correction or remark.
6:21
